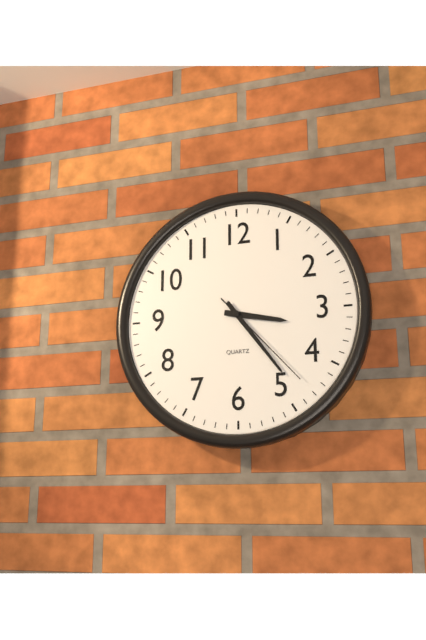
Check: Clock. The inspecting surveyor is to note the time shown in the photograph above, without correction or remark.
3:24:23
